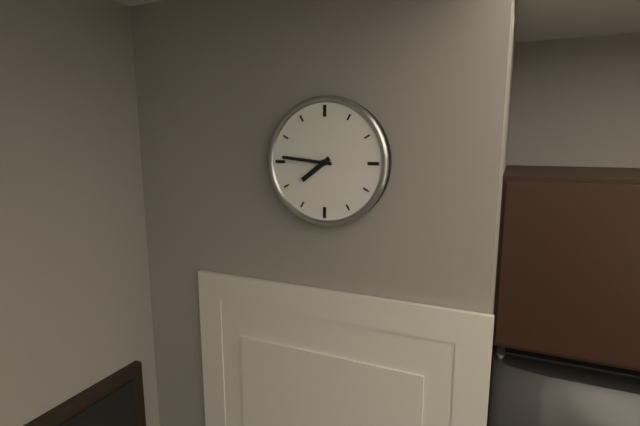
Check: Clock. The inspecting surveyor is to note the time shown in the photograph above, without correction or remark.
7:46
